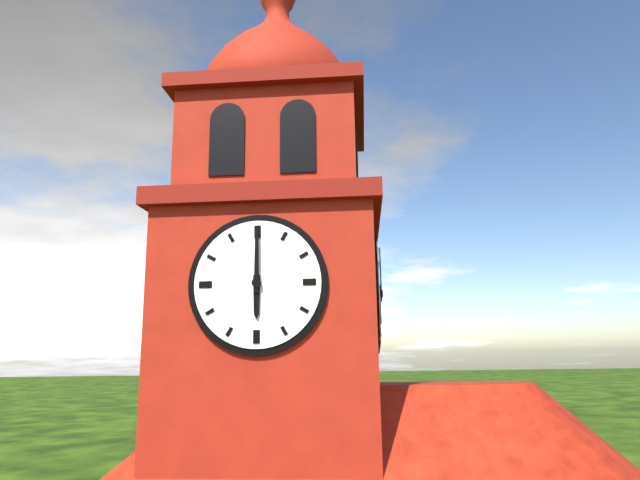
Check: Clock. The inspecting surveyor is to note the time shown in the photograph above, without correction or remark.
6:00
